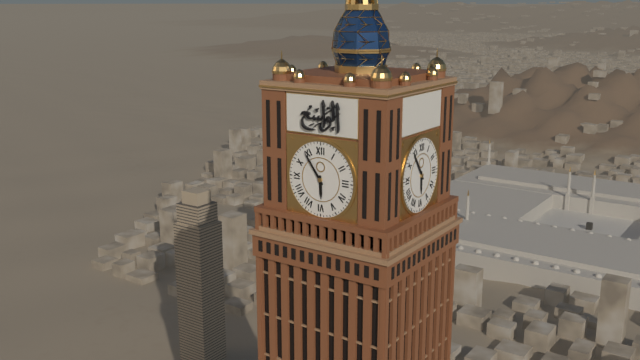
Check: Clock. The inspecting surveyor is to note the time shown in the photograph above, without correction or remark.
5:54
